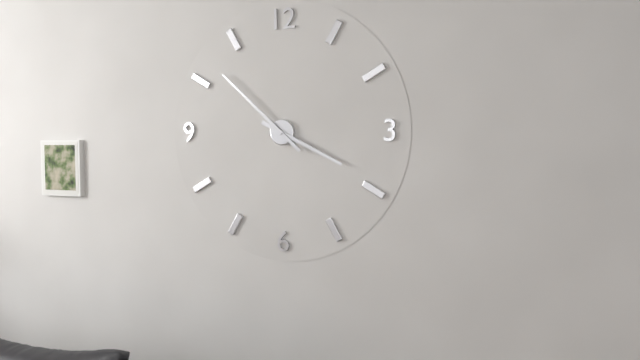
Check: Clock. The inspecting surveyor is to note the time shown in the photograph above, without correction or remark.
3:52
